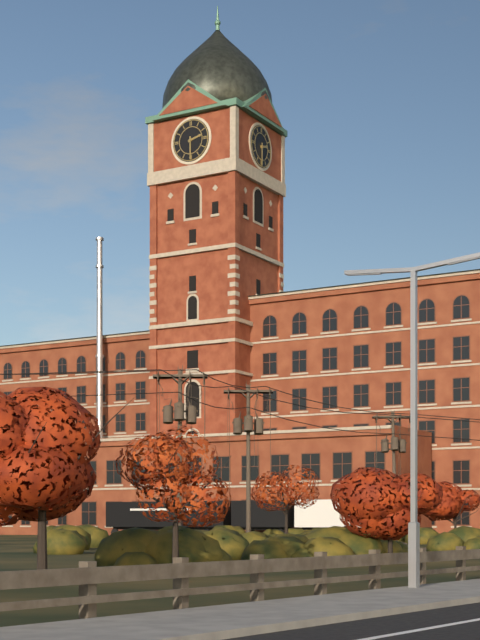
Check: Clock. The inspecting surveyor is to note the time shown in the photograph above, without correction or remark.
2:30
